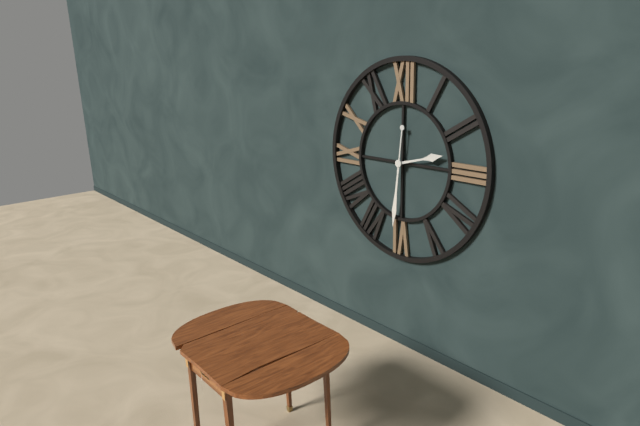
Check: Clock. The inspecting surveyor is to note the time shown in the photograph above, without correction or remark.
2:31
